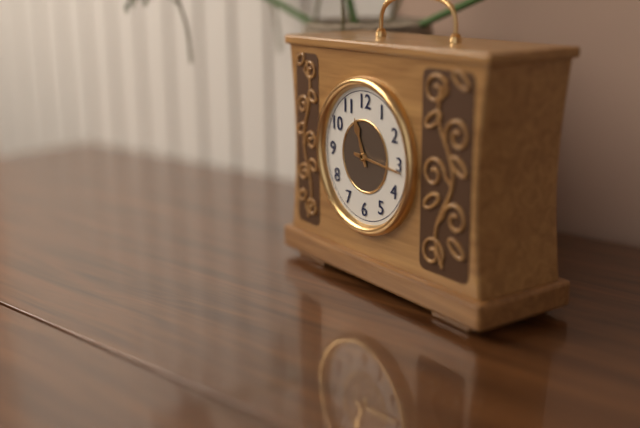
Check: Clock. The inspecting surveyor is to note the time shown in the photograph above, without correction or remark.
11:16
